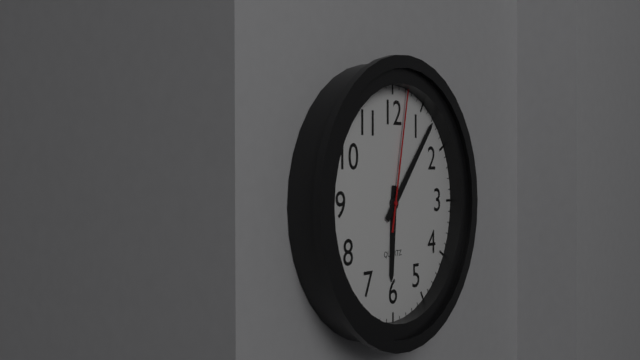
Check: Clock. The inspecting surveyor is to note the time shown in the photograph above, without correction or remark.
6:07:02
